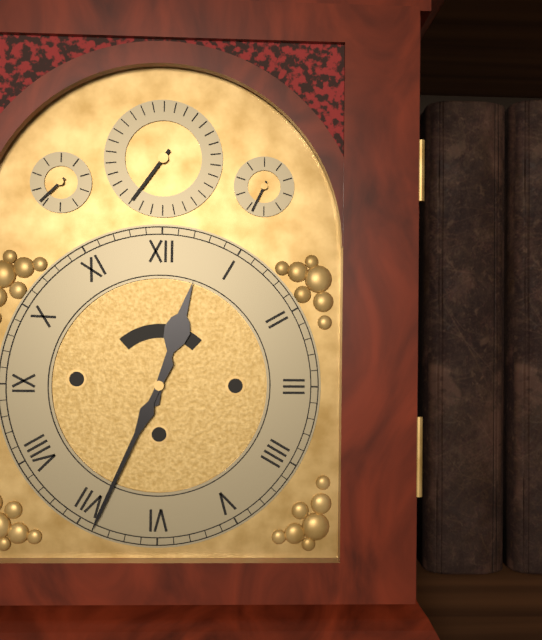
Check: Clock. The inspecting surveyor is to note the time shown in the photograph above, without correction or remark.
12:34
